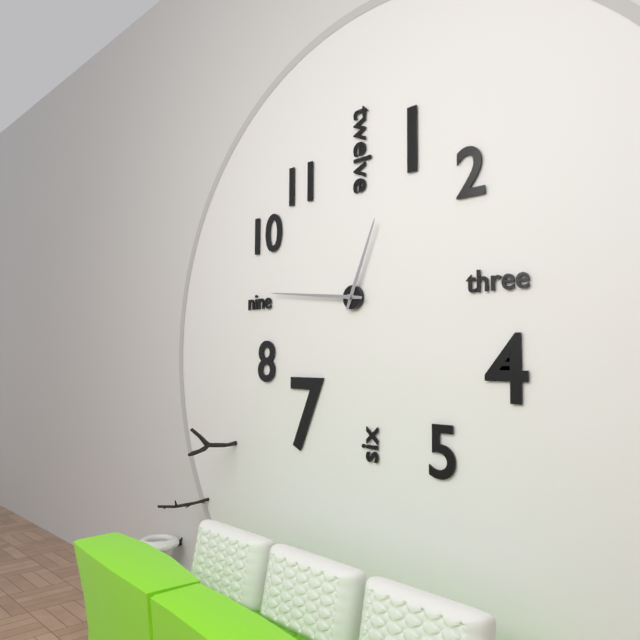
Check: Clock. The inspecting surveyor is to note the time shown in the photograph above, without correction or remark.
12:46
